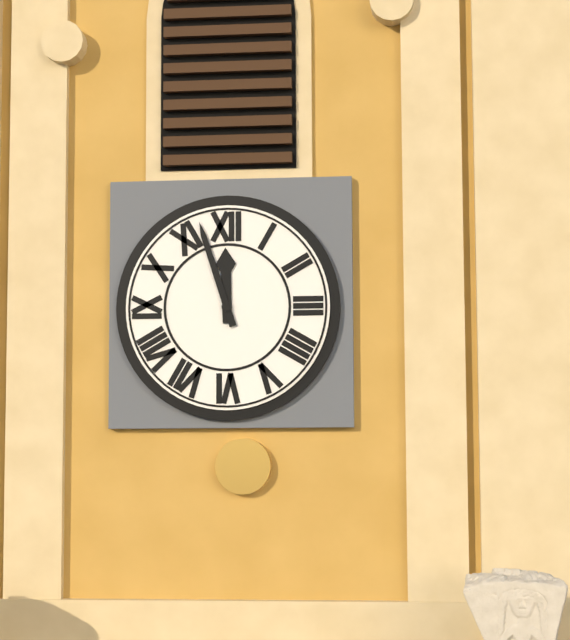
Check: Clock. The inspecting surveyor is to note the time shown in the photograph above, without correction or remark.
11:57
